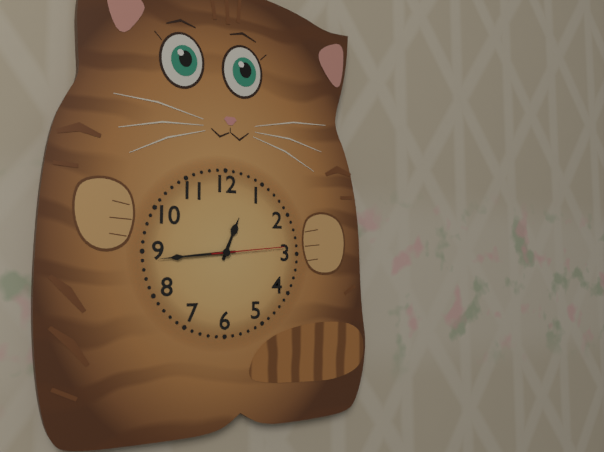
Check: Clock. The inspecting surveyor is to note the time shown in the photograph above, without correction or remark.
12:44:14
